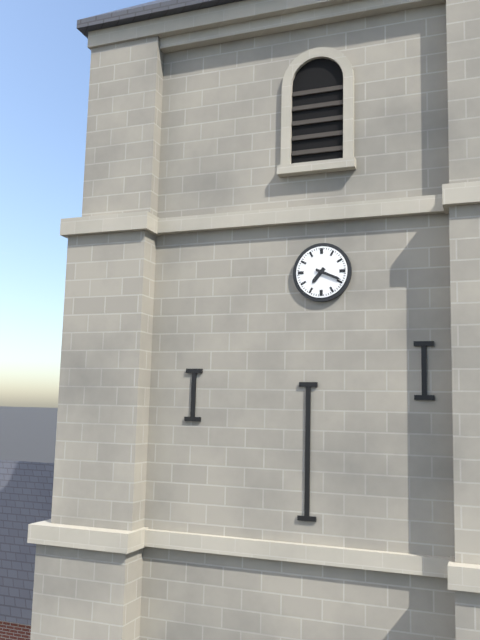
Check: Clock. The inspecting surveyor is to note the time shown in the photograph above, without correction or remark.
7:19
